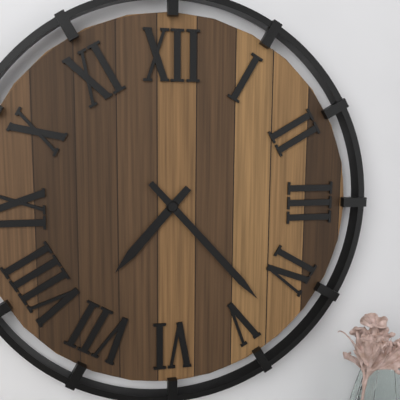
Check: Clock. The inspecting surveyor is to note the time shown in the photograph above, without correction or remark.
7:23
